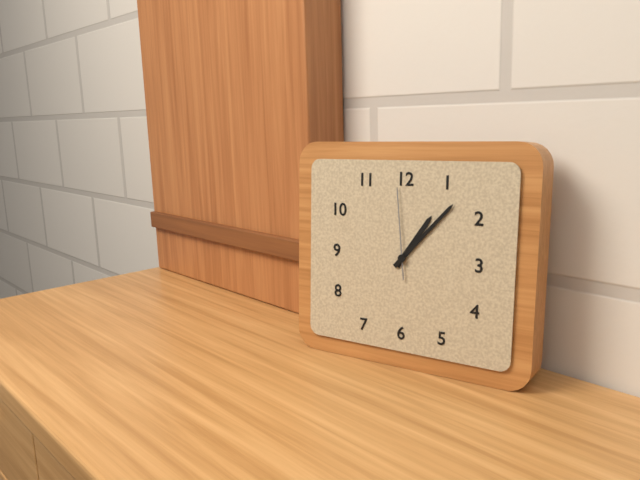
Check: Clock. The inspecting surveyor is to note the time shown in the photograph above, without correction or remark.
1:07:59
